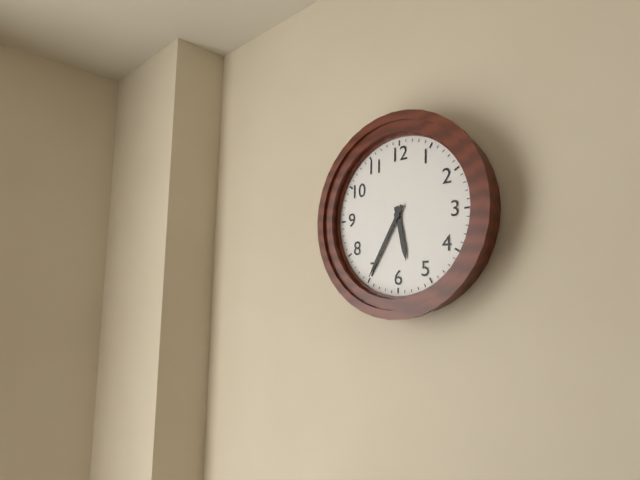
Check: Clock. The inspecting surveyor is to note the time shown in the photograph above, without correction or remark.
5:35
